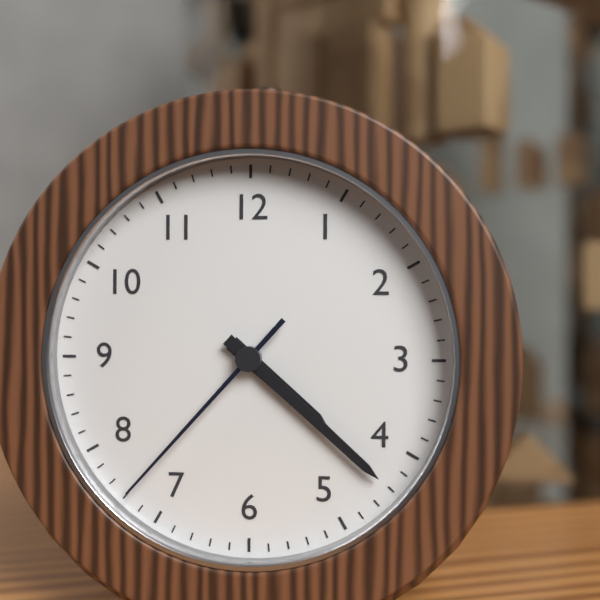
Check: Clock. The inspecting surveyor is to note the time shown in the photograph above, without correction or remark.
4:22:37
